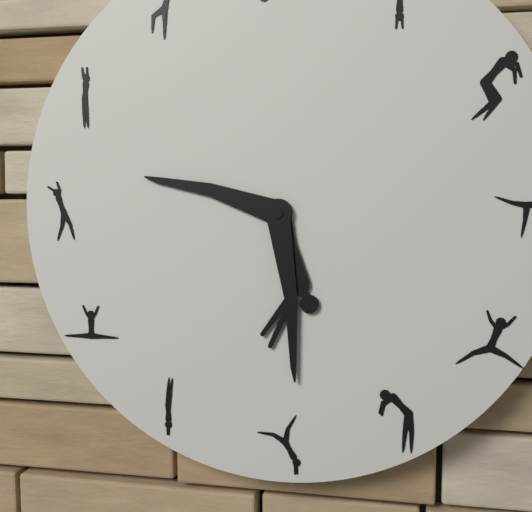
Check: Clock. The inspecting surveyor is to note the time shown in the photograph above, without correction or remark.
9:29
